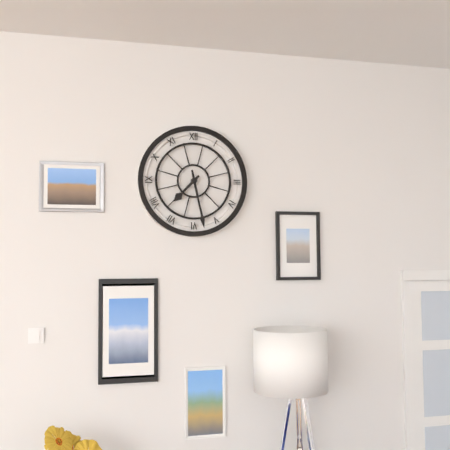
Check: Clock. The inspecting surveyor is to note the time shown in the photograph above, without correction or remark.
7:28
